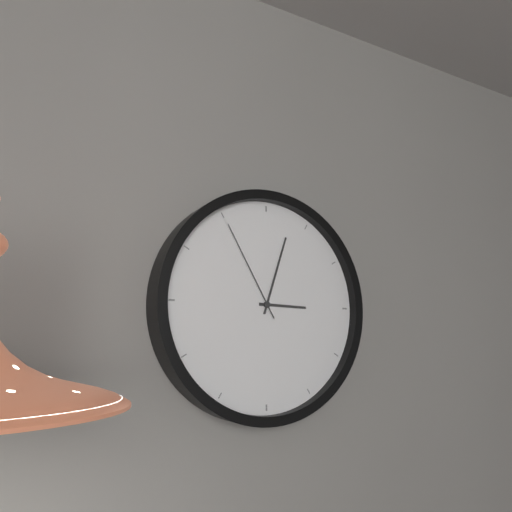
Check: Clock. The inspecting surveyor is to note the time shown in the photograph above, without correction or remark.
3:03:55
